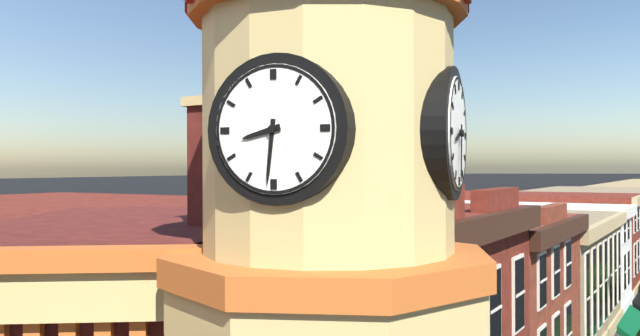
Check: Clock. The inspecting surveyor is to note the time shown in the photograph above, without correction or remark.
8:31
